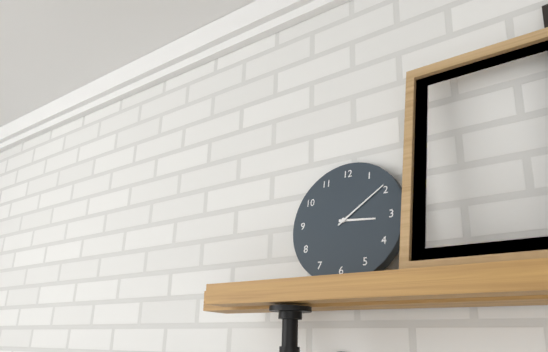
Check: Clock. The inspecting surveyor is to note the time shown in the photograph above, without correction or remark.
3:09
